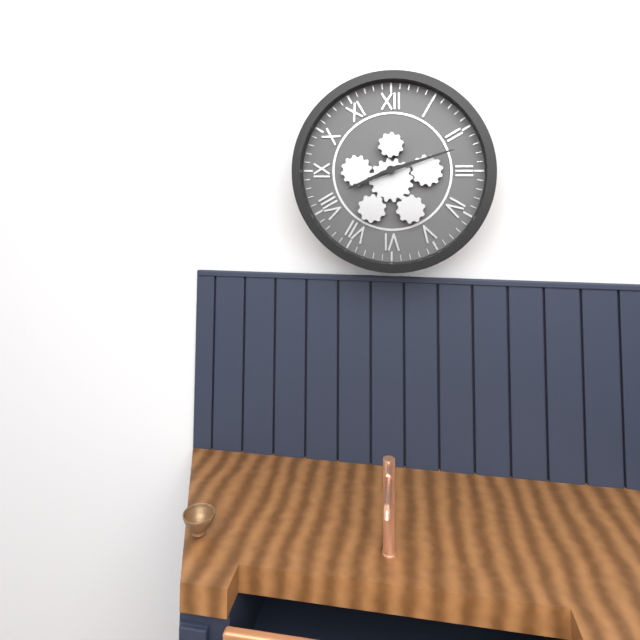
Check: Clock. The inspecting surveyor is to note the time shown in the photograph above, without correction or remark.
8:12
